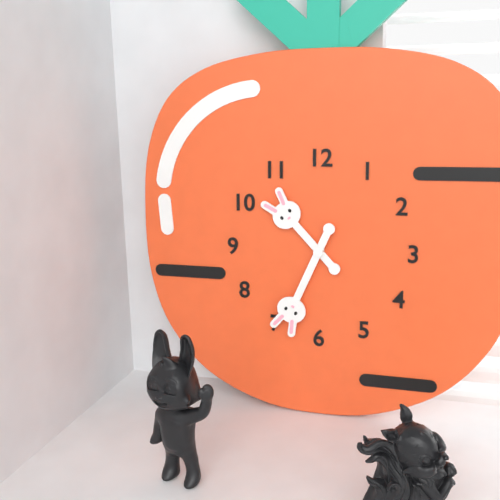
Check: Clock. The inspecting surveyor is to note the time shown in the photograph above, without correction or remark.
10:34
